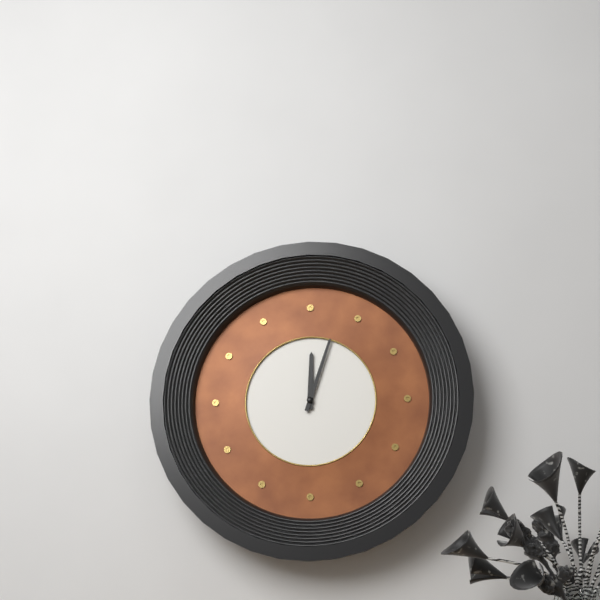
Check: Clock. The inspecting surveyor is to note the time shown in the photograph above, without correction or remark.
12:03
